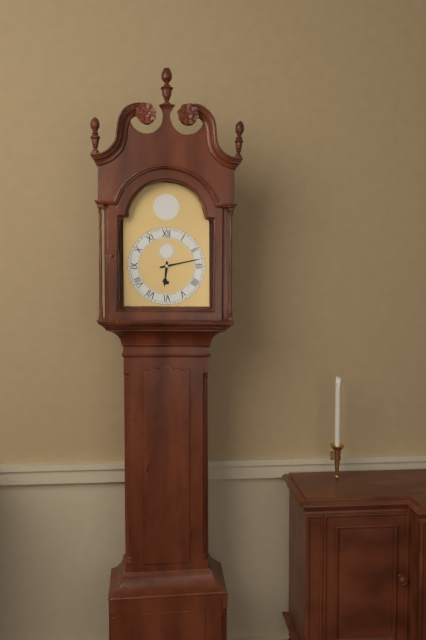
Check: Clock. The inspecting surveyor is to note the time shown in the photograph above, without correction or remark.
6:13
